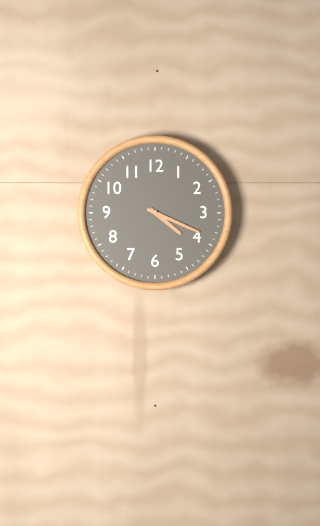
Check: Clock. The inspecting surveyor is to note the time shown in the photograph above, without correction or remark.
4:19
